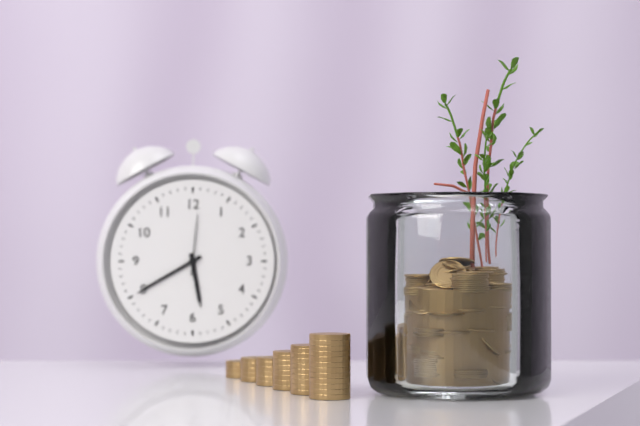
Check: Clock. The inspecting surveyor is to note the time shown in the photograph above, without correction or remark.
5:40:01
